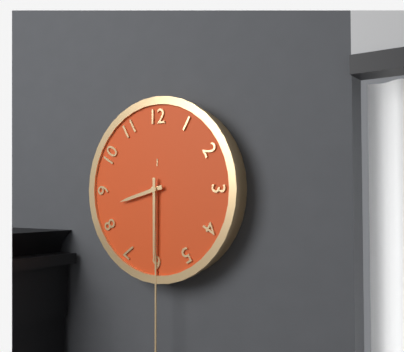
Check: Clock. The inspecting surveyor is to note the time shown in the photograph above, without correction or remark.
8:30
